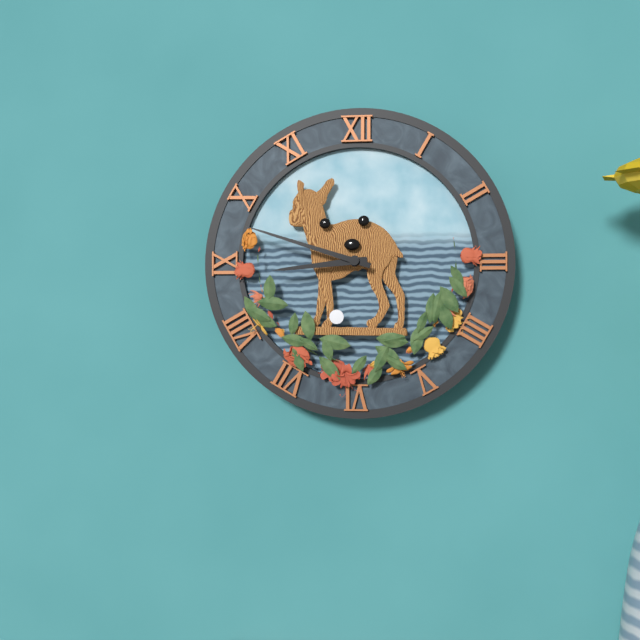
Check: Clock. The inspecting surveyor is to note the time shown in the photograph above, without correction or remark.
8:48
